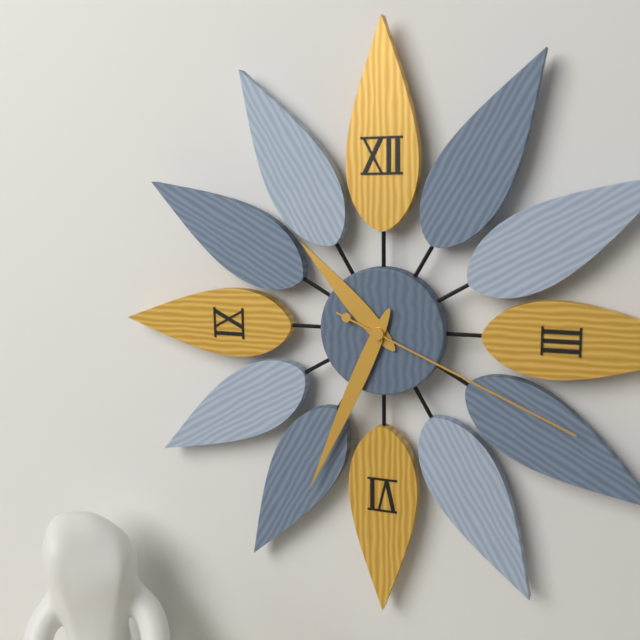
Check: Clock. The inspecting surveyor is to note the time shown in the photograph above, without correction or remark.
10:34:19
